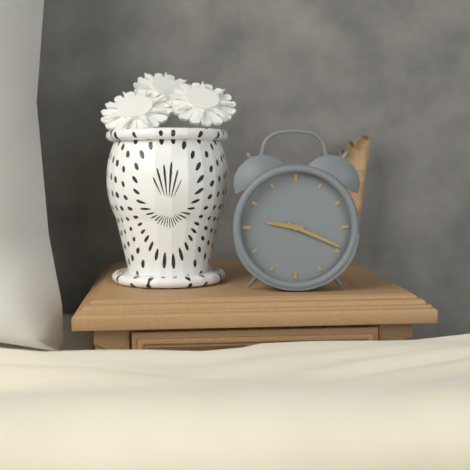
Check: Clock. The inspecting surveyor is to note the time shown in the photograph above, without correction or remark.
9:19
